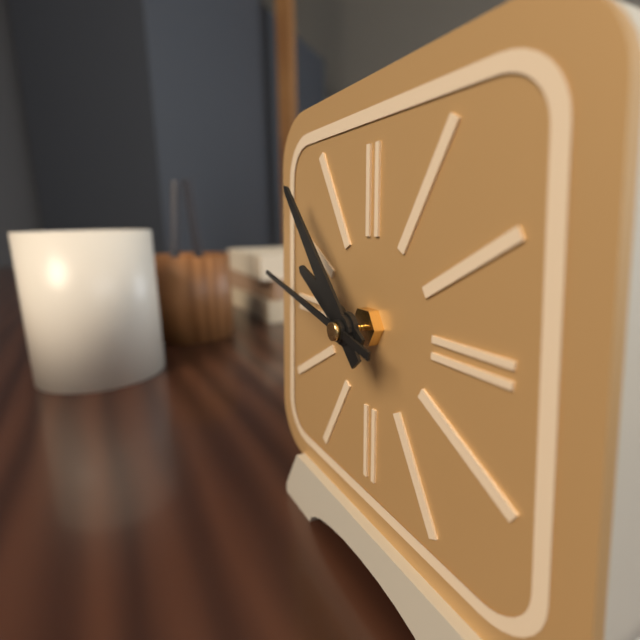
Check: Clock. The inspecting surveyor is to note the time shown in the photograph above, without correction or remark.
9:53:47
